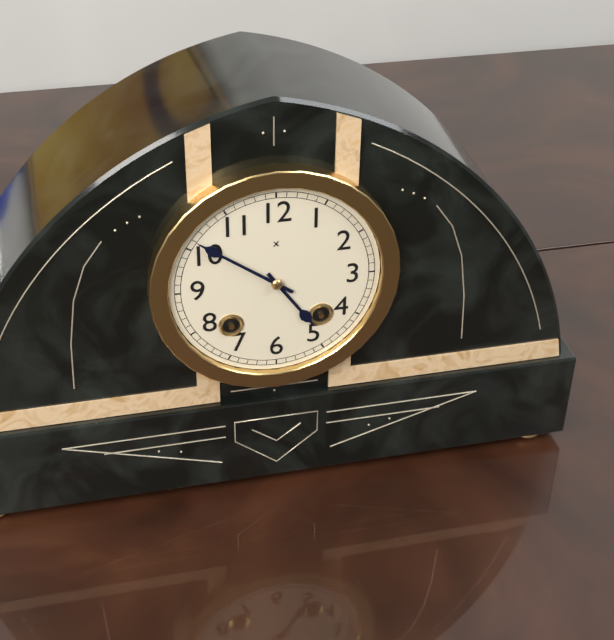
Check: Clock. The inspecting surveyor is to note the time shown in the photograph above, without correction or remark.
4:51
